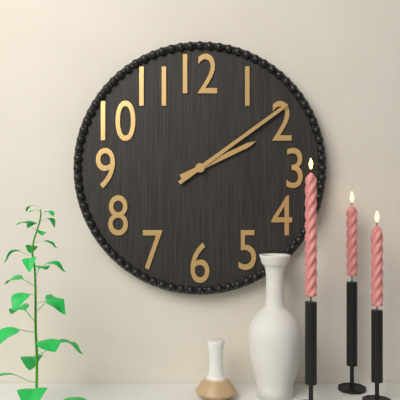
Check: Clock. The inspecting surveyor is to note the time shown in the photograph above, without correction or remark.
2:09
